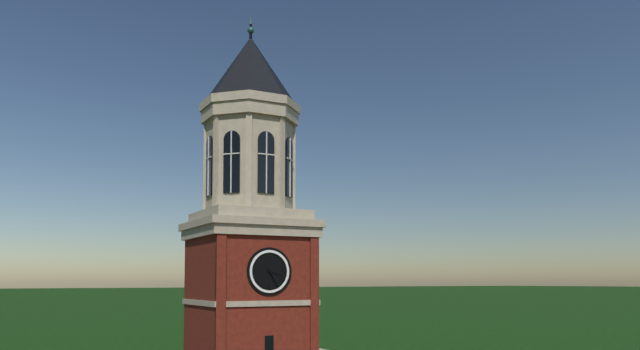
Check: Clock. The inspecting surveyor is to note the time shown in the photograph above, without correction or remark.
3:25
